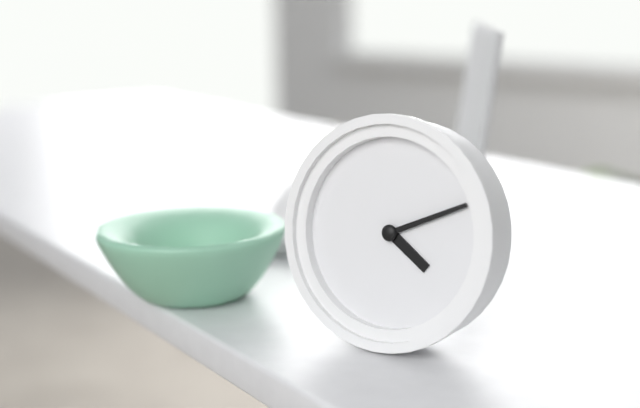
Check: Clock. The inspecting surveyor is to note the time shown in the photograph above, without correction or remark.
4:11
